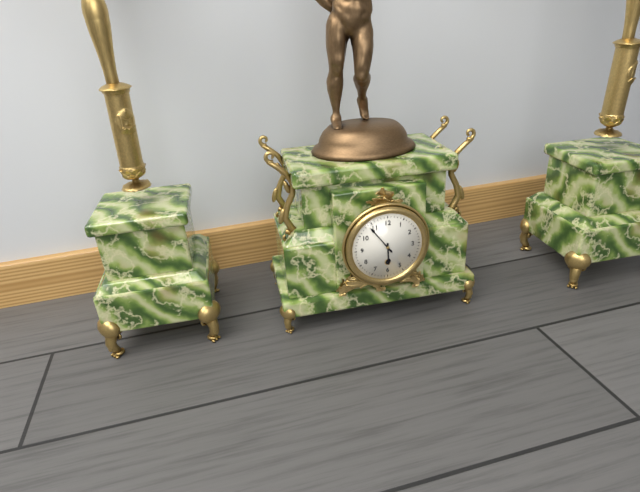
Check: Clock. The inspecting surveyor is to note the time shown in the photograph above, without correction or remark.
5:54
